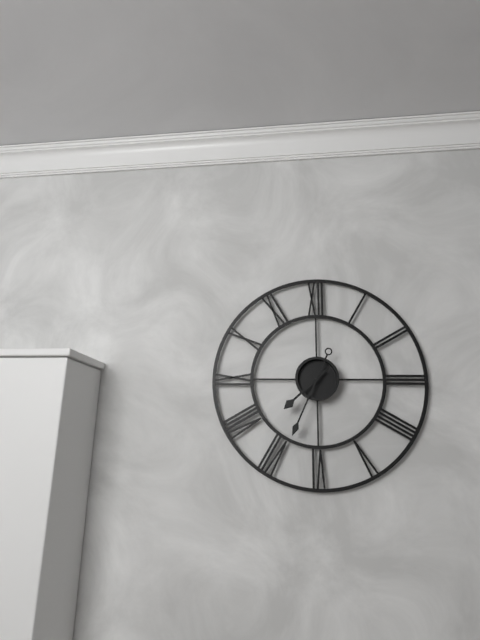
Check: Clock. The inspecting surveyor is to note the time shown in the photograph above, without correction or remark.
7:34
